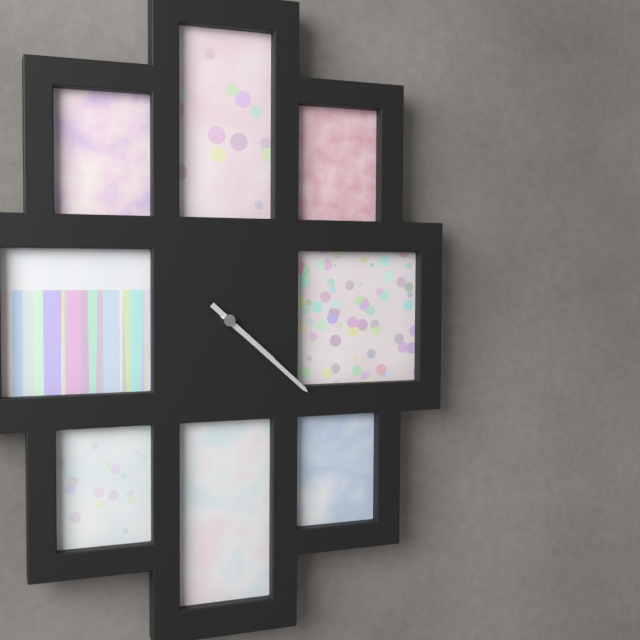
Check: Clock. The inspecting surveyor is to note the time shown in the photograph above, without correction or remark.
4:22
